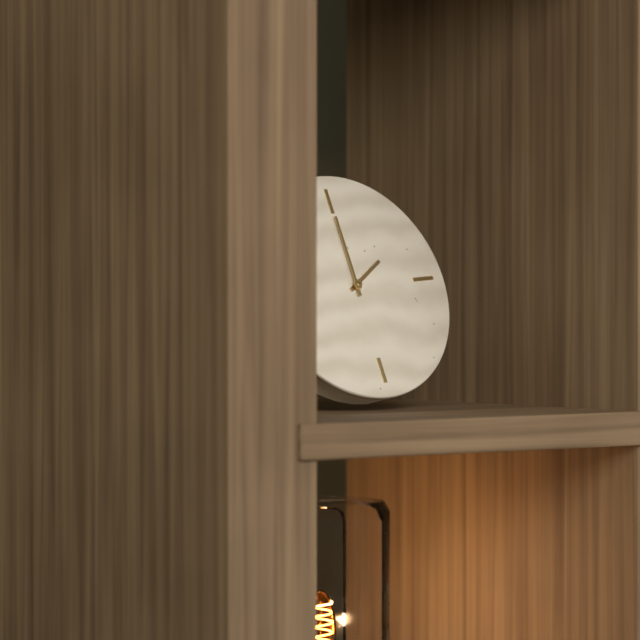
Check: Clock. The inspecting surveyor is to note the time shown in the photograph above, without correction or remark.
2:00
